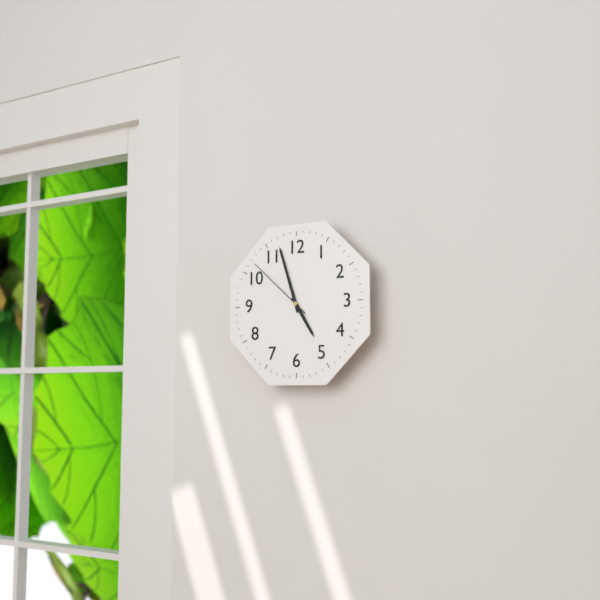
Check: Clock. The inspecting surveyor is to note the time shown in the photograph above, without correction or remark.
4:57:52
